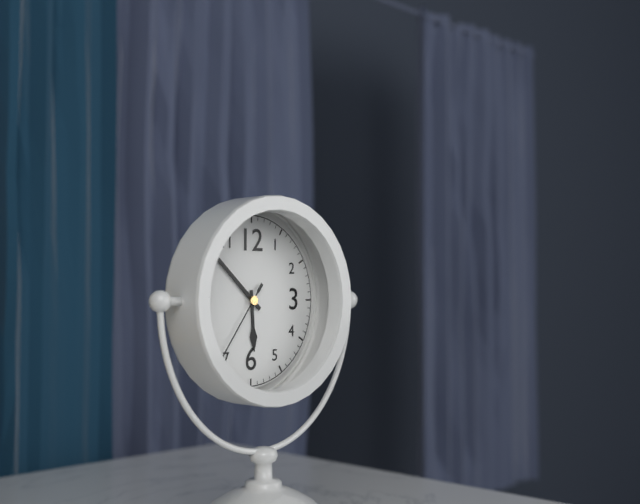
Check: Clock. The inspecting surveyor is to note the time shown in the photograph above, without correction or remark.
5:52:36
